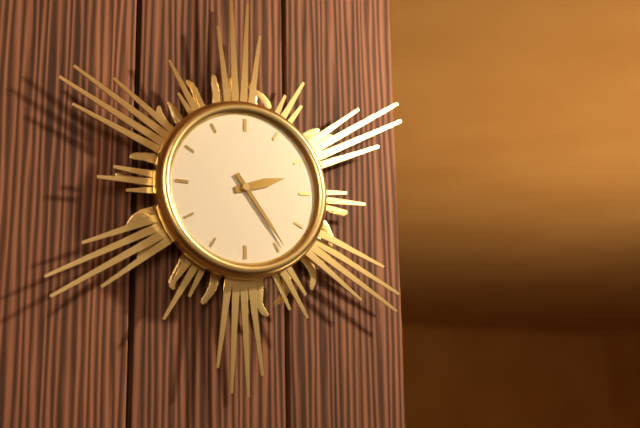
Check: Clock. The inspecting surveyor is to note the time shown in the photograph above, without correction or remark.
2:24
